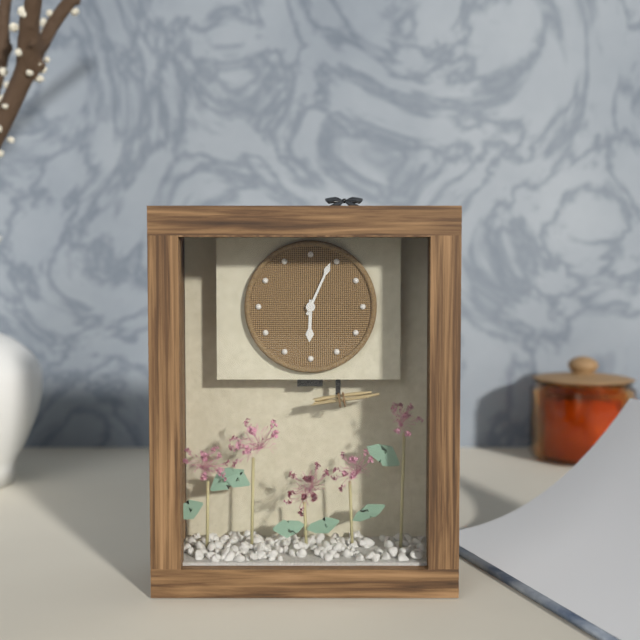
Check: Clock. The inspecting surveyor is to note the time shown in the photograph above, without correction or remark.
6:04
